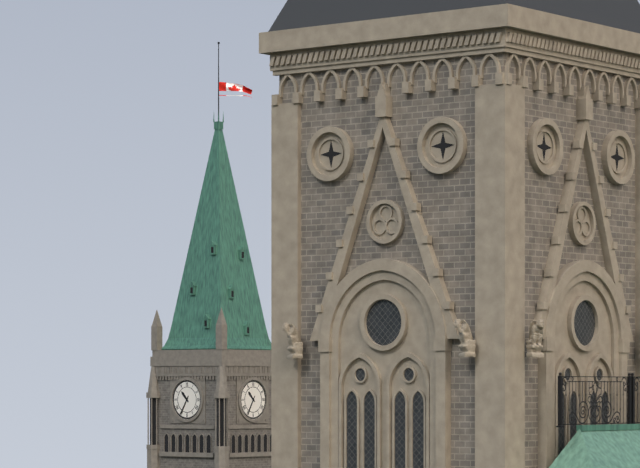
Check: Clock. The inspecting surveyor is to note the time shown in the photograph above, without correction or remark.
10:35
